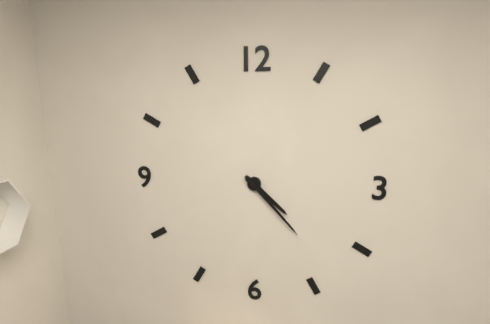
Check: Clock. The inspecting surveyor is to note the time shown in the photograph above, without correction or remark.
4:23
